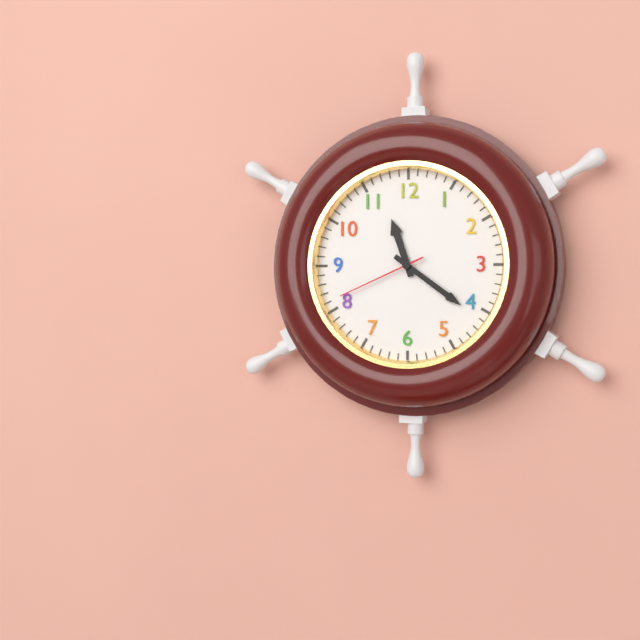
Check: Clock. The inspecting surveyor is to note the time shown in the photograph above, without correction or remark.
11:21:41
